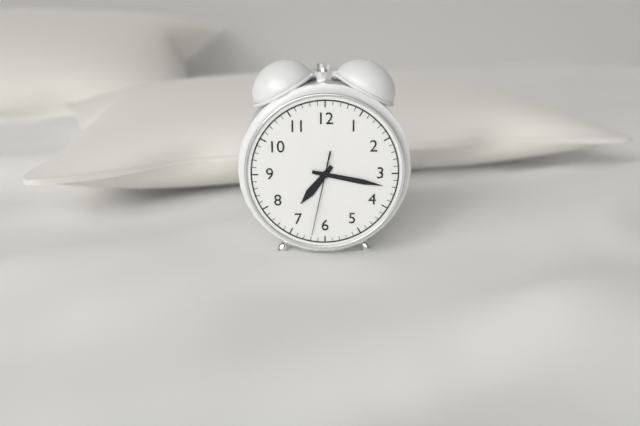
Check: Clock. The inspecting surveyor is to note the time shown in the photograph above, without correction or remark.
7:17:32
